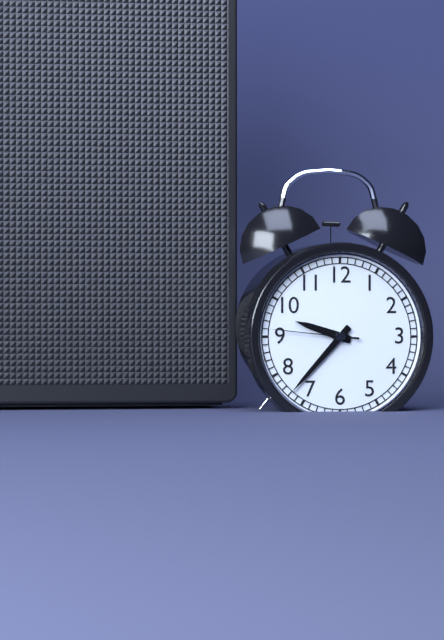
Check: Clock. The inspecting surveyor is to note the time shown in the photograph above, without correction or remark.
9:37:46
